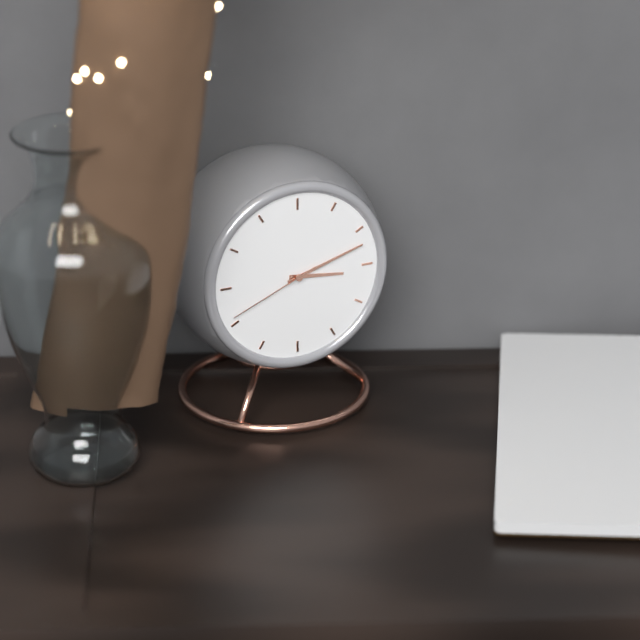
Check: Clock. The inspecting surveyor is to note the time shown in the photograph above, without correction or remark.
3:12:41
